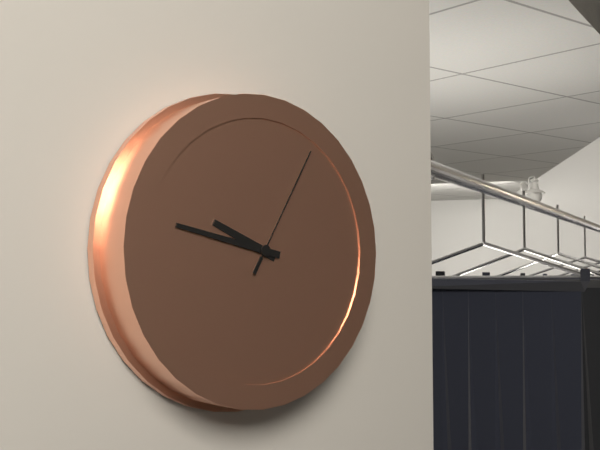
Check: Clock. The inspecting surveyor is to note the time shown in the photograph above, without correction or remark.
9:47:05
